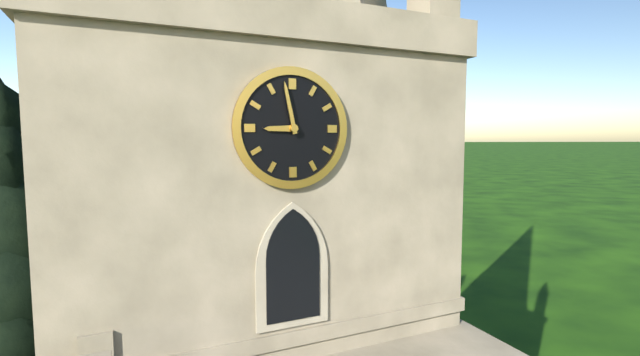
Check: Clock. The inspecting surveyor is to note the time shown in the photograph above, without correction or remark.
8:58
